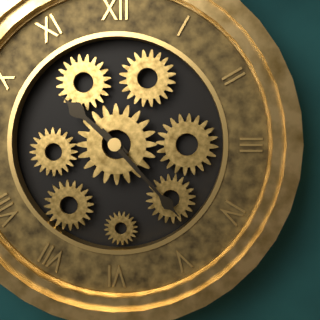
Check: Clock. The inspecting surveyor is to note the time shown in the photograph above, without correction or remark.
10:23
